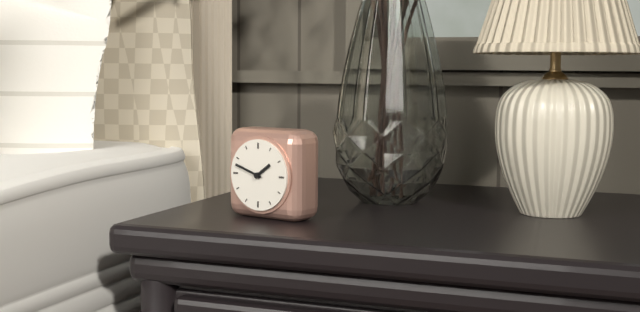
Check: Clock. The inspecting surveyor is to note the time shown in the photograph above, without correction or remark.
1:48
